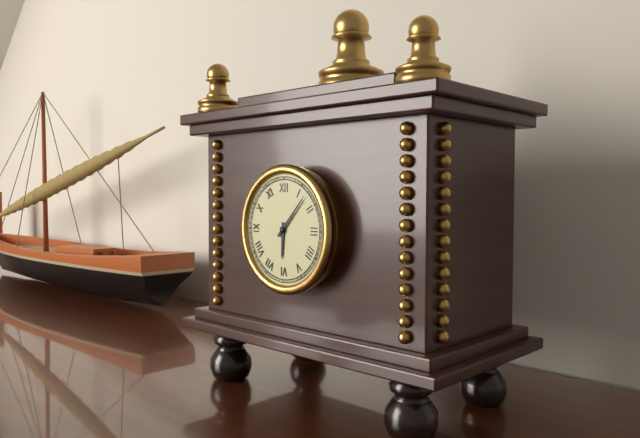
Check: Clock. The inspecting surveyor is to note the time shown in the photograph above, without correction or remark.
6:07
